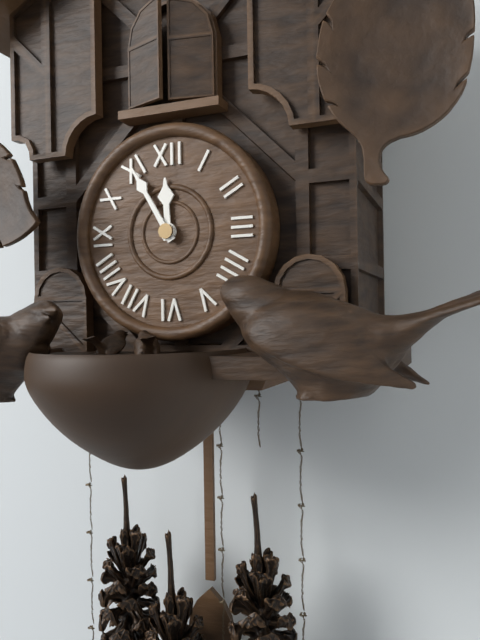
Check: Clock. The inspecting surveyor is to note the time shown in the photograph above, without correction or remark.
11:55
